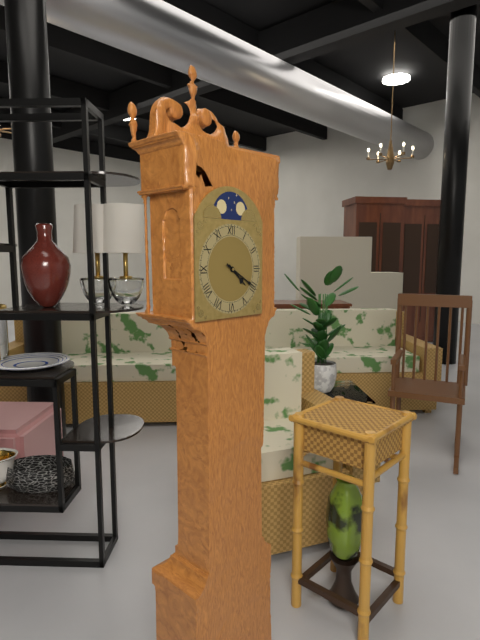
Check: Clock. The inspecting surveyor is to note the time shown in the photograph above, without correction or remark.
4:20
